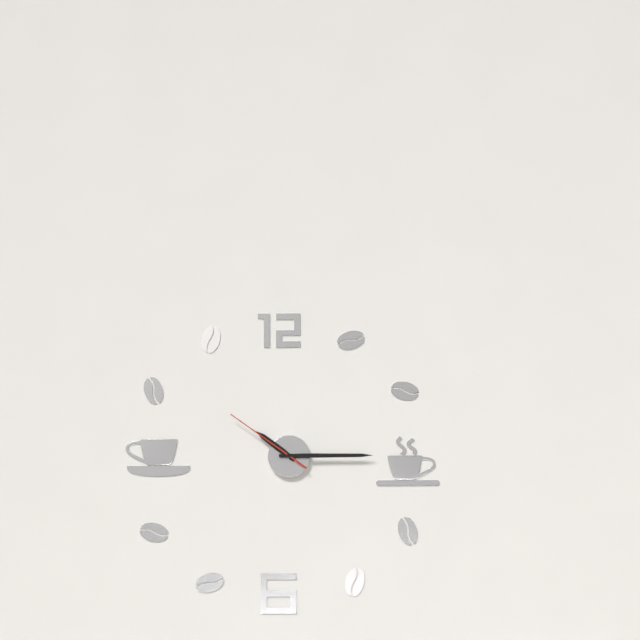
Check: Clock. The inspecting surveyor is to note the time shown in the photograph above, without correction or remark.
10:15:51
